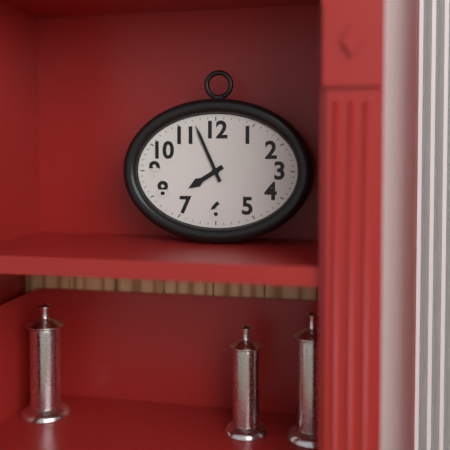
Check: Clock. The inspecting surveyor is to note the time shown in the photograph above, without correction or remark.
7:56
